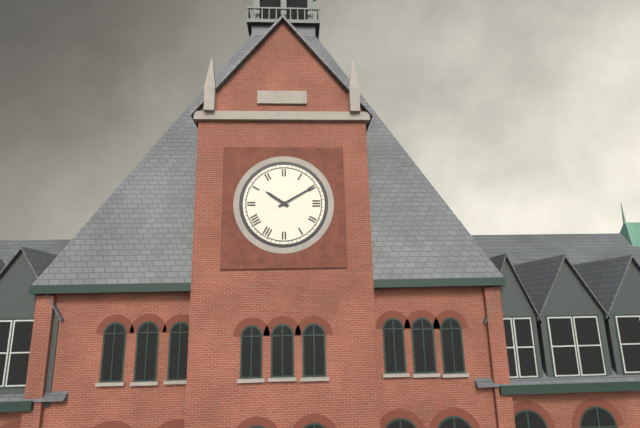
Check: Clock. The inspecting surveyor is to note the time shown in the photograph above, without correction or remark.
10:10
